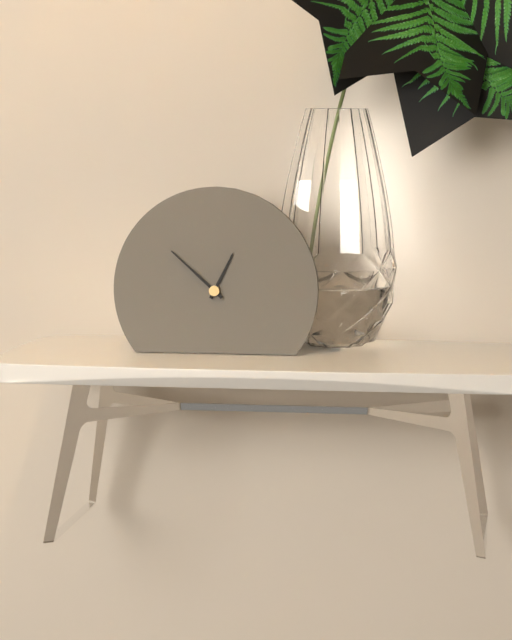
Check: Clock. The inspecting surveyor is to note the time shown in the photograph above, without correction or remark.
12:52
